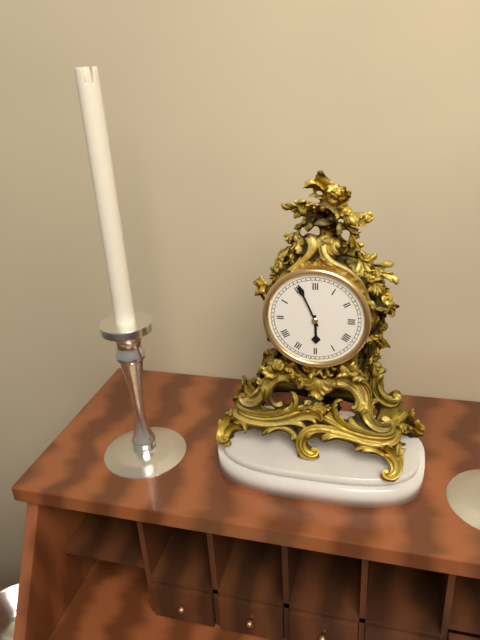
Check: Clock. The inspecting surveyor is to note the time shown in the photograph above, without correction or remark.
5:56
